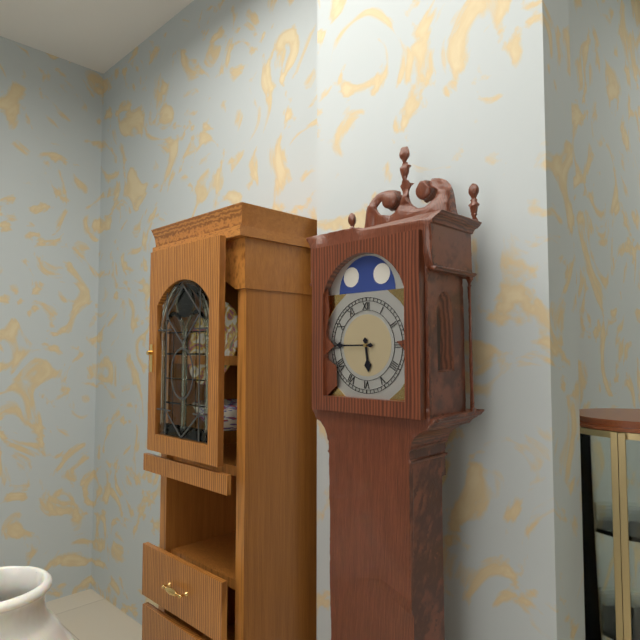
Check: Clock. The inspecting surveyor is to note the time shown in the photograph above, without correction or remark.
5:45
